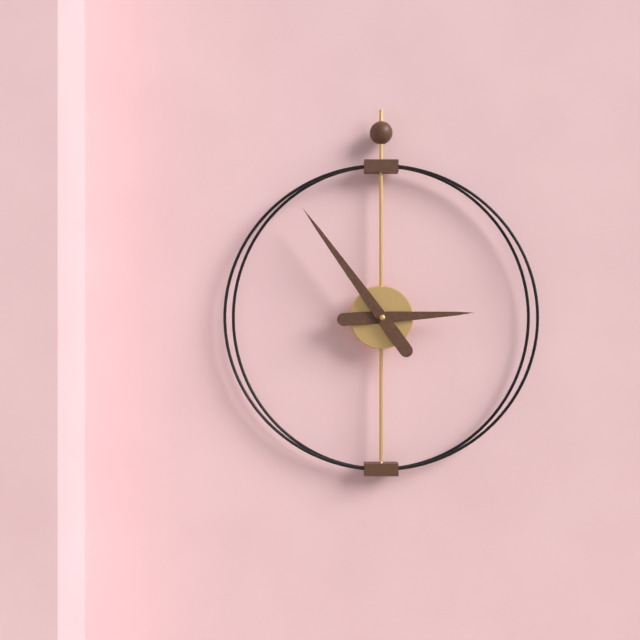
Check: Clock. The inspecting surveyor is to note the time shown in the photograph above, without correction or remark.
2:54
